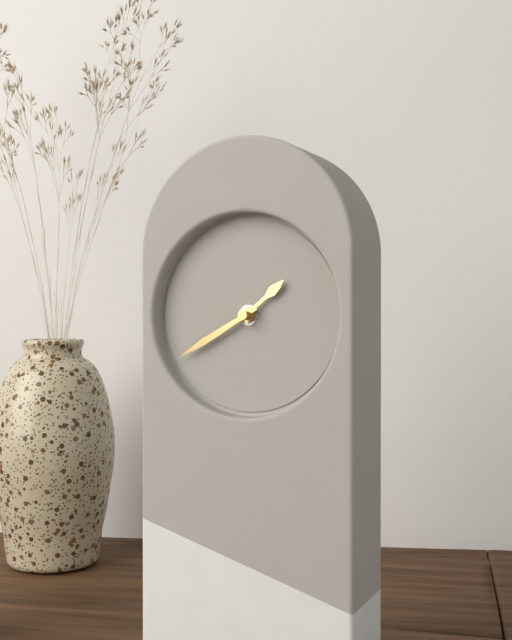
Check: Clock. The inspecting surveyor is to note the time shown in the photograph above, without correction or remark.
1:40
